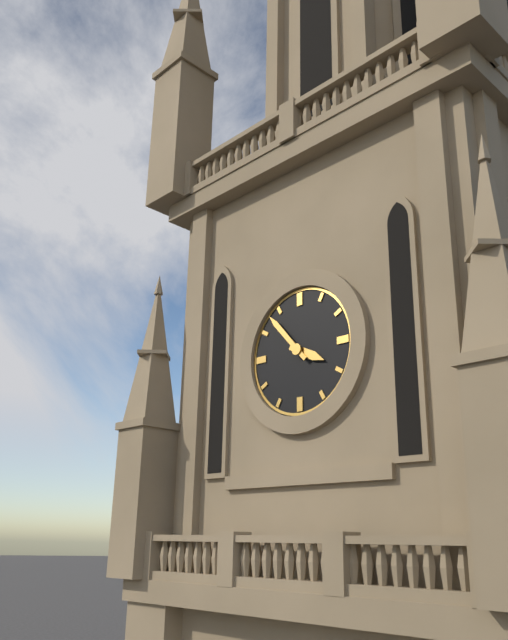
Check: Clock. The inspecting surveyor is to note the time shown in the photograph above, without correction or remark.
3:53
